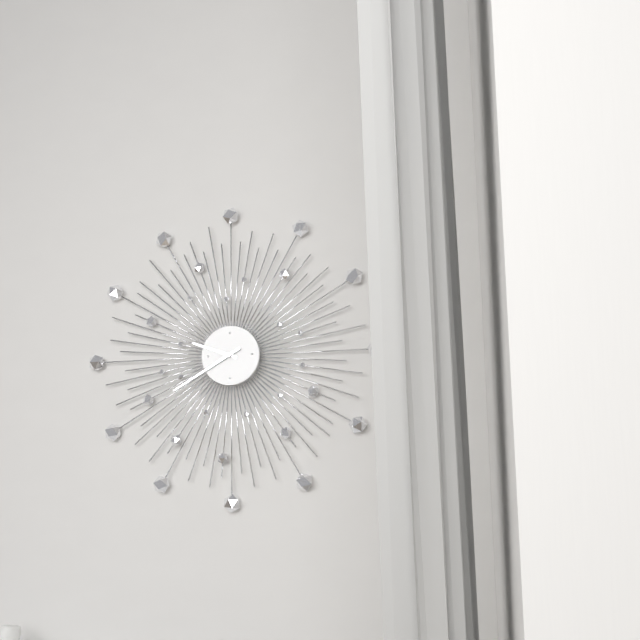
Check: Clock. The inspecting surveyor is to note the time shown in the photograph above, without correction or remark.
9:40
